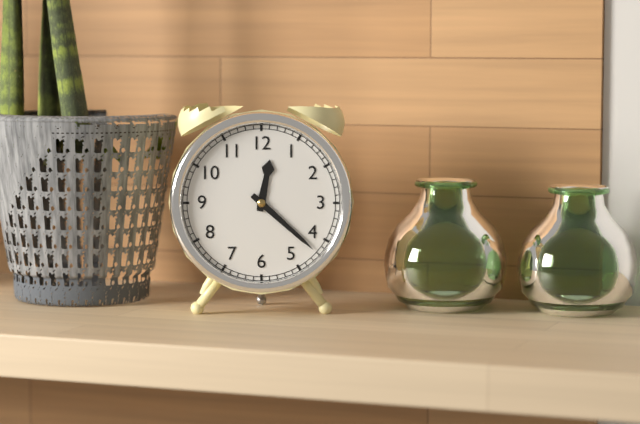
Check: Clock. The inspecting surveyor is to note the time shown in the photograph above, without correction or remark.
12:22
